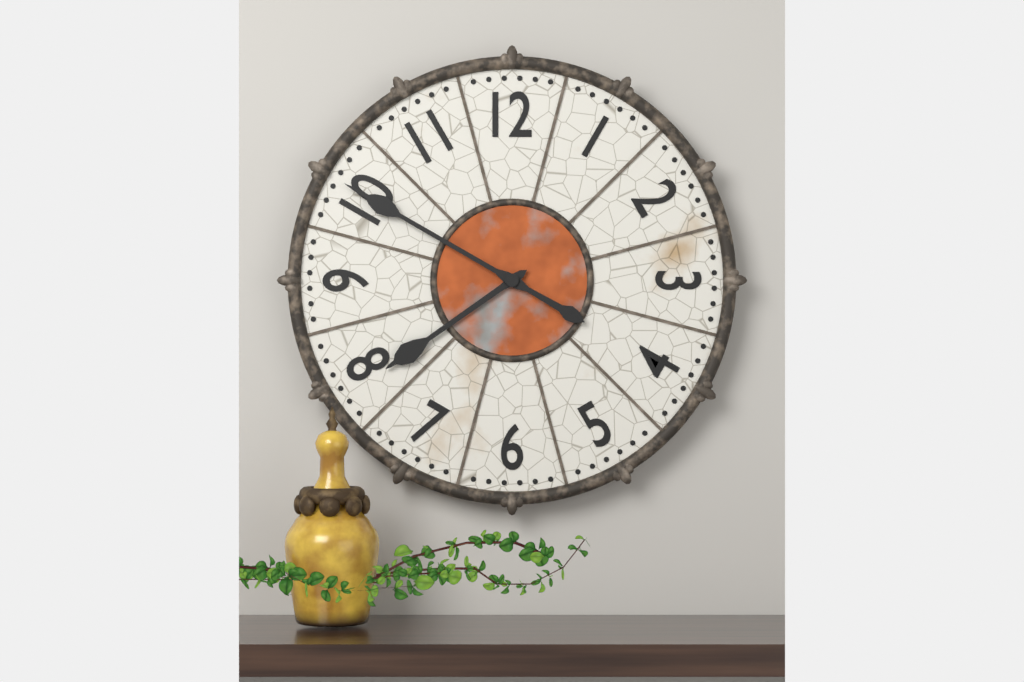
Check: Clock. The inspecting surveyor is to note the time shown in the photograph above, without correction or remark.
7:50
